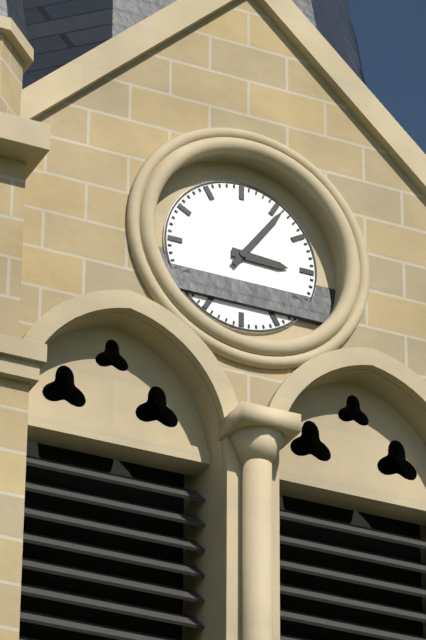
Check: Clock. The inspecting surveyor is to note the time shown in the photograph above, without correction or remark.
3:06
